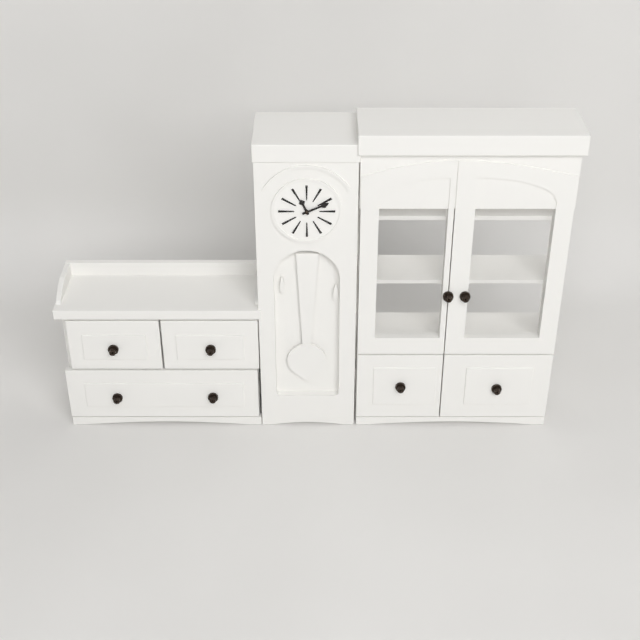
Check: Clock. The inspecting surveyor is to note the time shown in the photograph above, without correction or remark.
11:11
